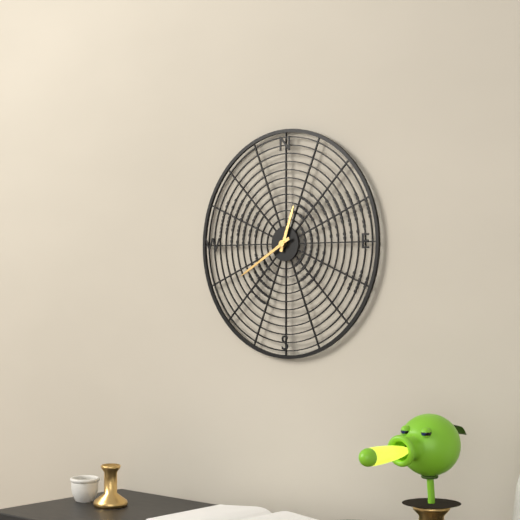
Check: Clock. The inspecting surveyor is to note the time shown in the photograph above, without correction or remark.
12:40
